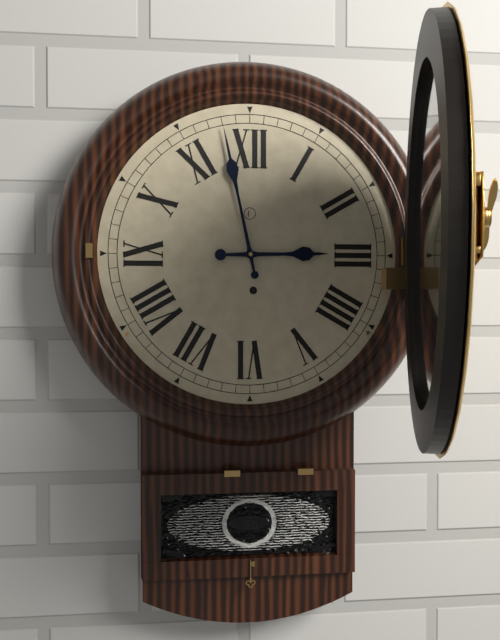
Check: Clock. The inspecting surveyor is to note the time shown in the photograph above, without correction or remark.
2:58
